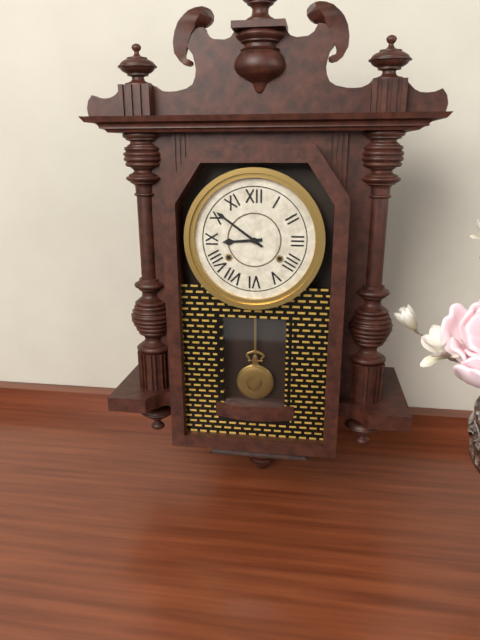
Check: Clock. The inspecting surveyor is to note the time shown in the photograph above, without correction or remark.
8:51
